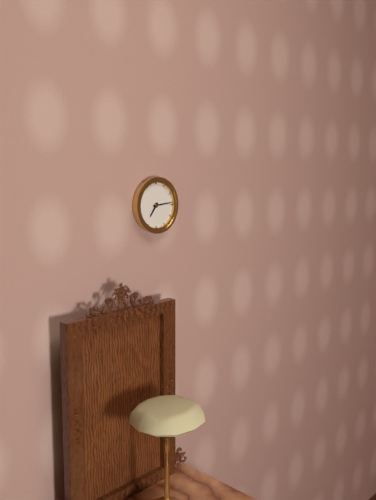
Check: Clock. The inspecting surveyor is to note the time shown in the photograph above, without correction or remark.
7:14
